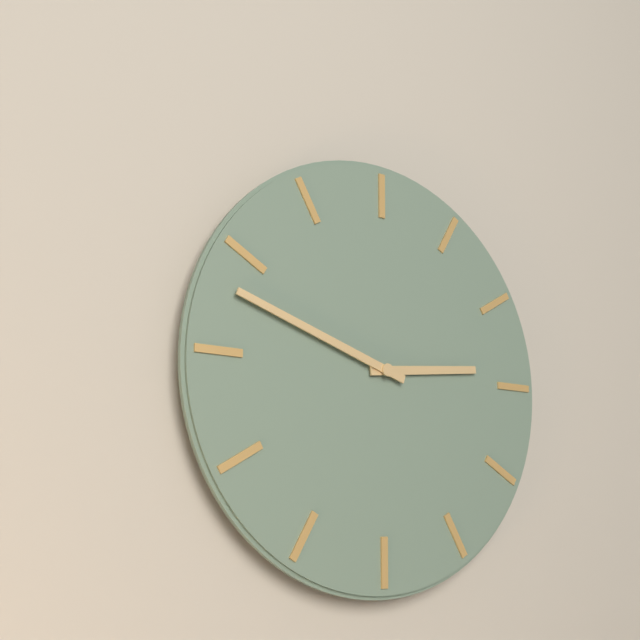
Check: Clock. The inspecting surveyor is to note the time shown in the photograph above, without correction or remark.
2:48
